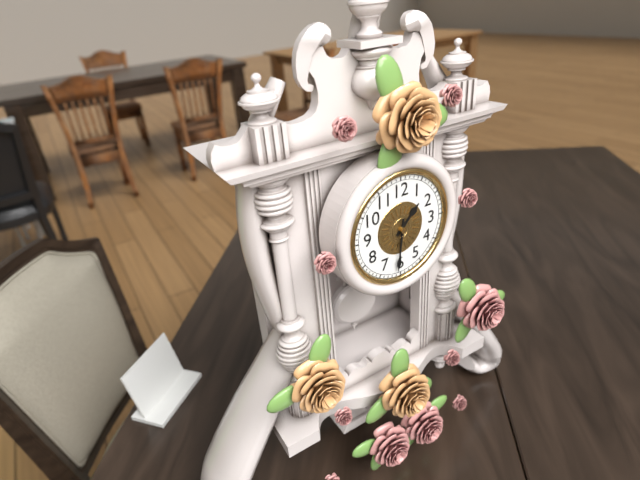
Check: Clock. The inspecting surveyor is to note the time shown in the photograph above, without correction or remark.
1:31
